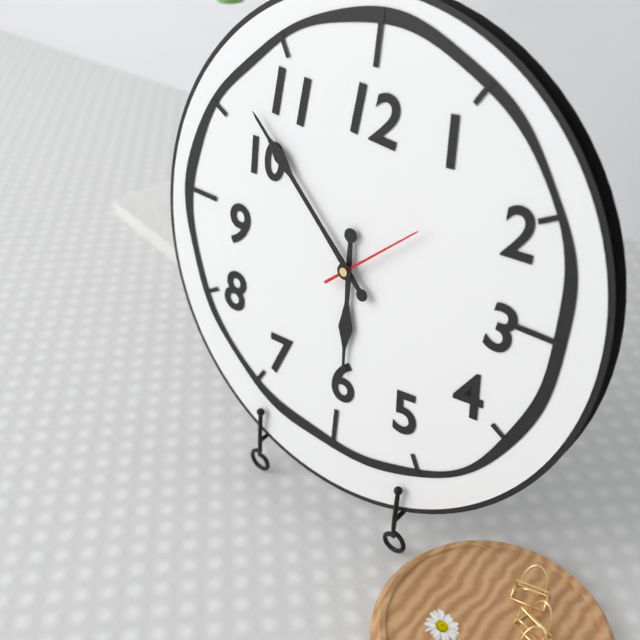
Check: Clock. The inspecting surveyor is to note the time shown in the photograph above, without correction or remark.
5:52:08
